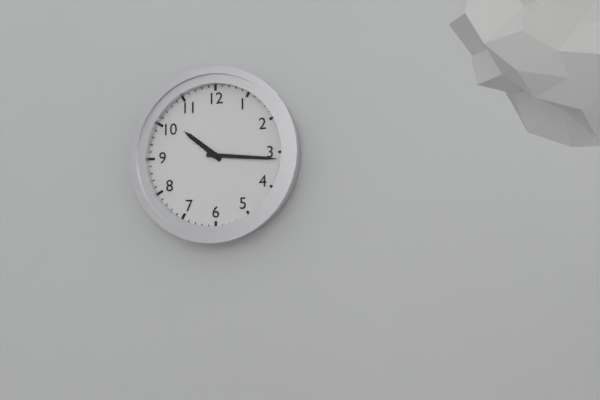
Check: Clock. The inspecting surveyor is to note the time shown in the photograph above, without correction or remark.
10:16
